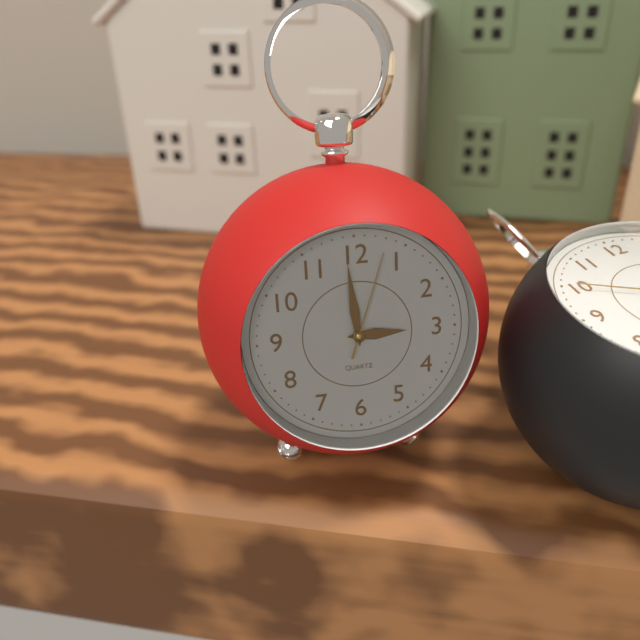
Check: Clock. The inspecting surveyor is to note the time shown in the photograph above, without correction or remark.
2:59:03
